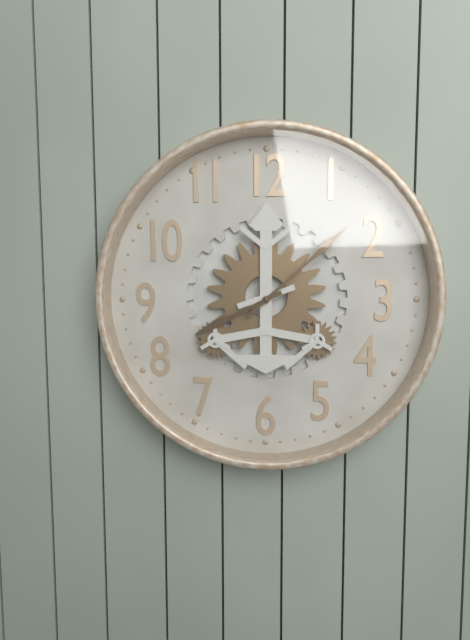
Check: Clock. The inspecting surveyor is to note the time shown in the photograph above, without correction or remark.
8:08
